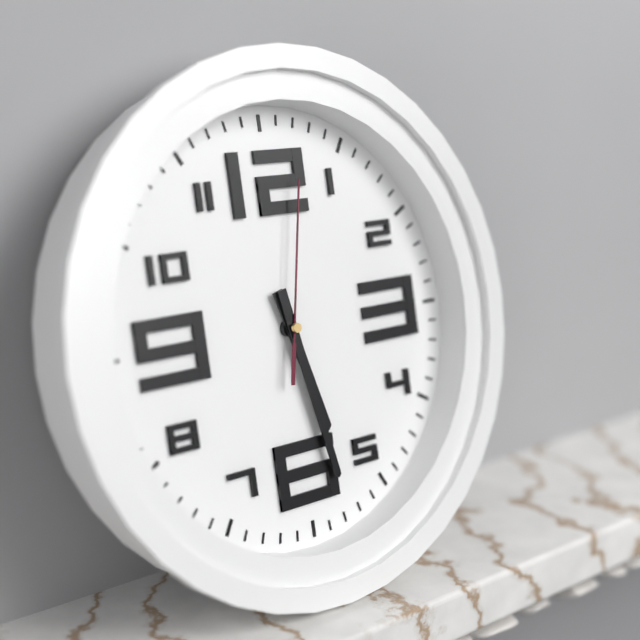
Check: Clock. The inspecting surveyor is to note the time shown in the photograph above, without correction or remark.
5:28:02
